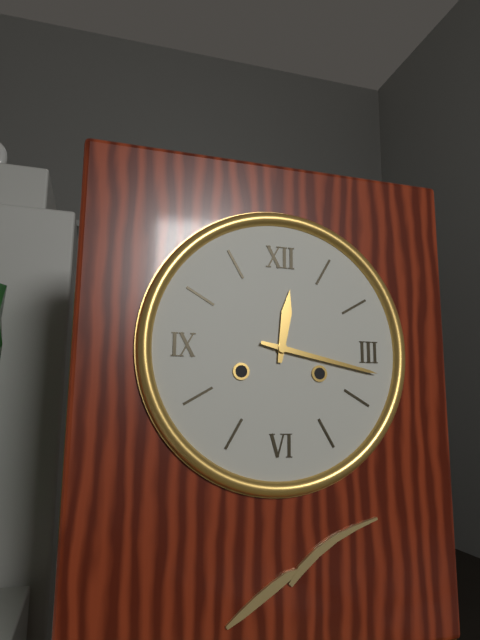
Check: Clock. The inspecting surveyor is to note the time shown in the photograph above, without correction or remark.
12:17
